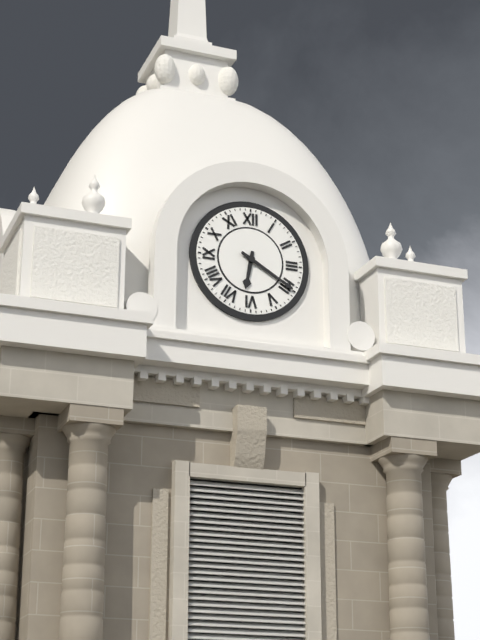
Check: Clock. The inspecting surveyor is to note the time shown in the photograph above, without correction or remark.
6:20
